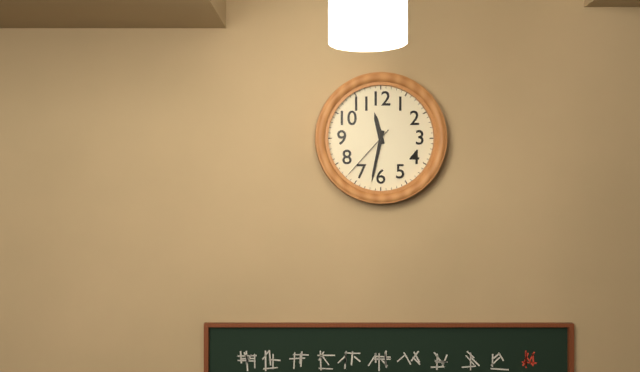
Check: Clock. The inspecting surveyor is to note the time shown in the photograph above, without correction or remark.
11:32:37
